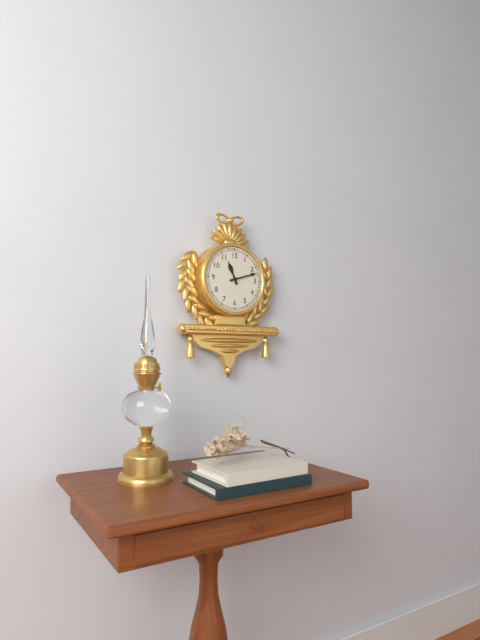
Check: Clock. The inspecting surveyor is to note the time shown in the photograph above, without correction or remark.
11:12
